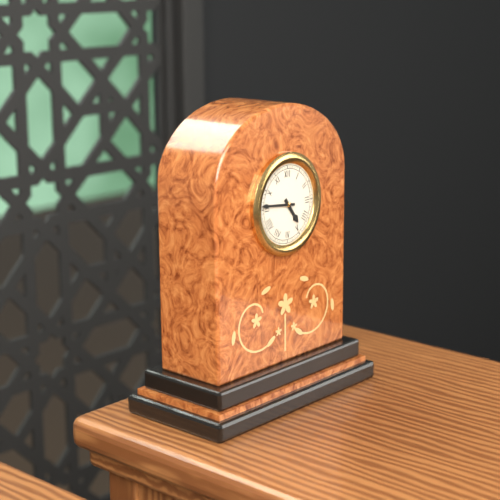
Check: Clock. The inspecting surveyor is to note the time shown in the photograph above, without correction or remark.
4:46
